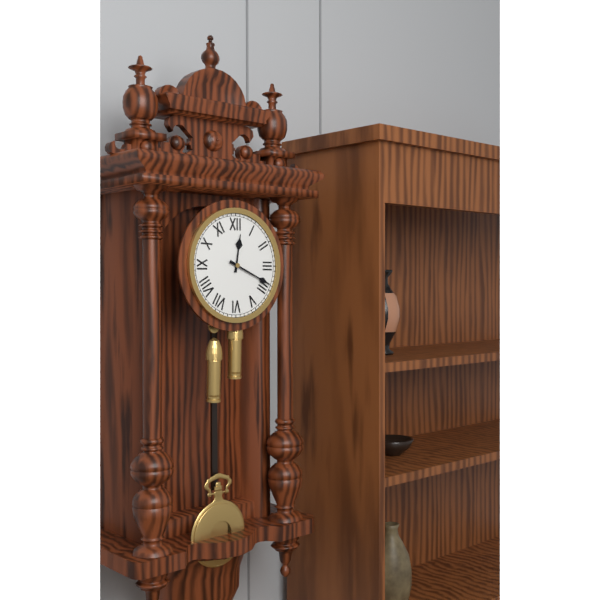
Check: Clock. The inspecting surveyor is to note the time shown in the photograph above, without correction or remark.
12:19
